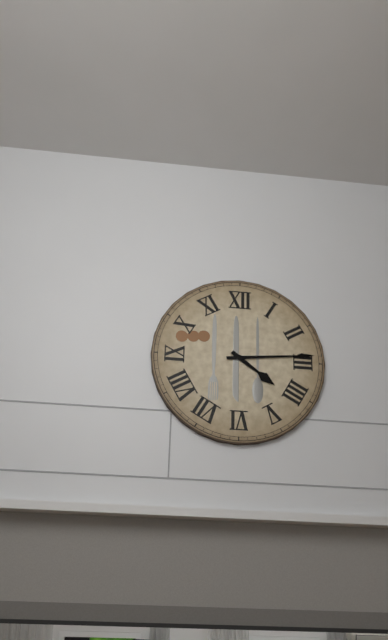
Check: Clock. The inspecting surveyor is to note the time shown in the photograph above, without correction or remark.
4:14
